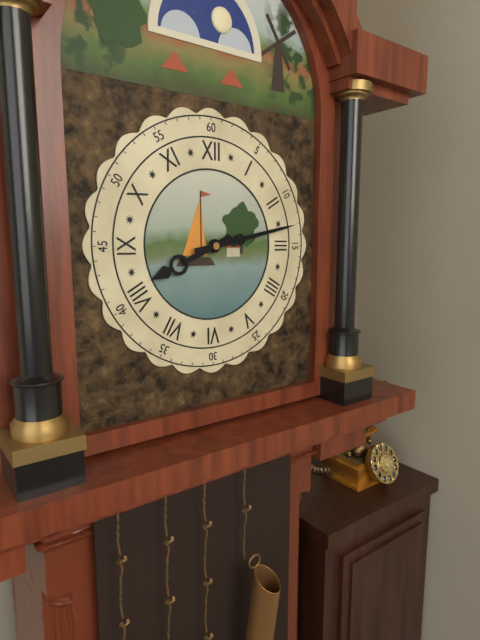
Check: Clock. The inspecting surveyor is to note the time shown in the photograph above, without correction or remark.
8:13
